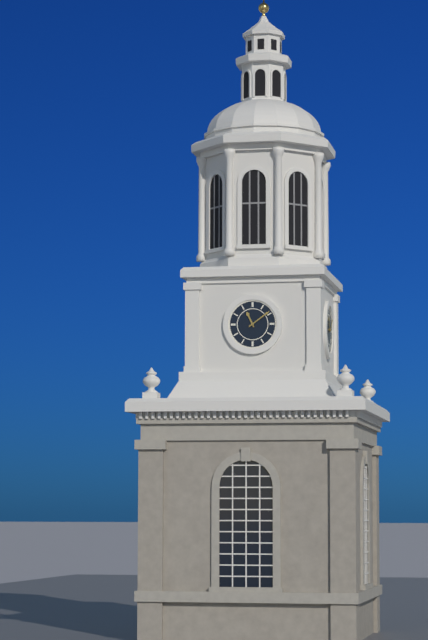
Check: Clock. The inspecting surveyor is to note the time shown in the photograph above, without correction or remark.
11:09
